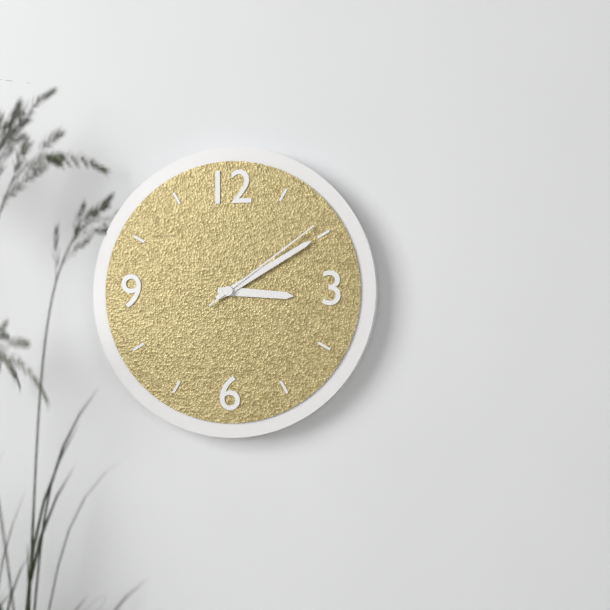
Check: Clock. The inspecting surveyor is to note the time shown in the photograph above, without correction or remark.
3:10:09
